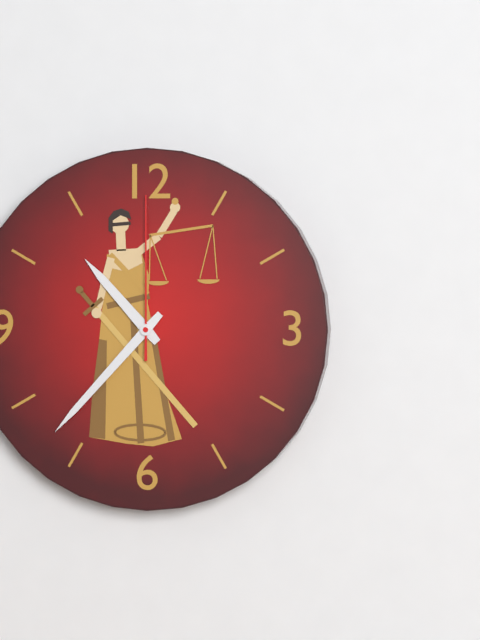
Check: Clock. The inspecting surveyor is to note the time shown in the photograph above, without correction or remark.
10:37:00
